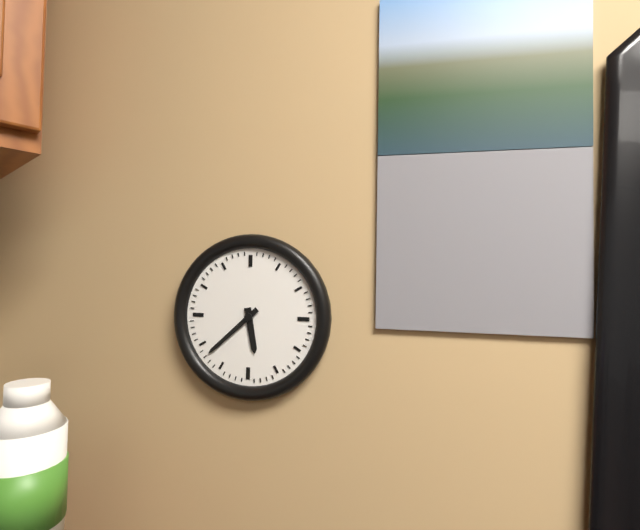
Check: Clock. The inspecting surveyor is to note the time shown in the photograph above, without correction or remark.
5:38
